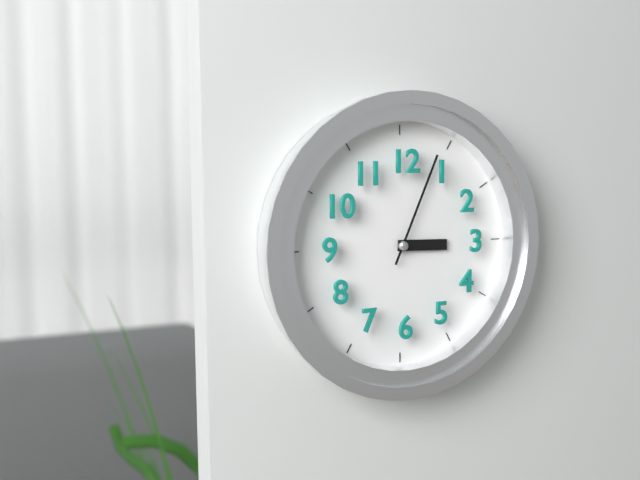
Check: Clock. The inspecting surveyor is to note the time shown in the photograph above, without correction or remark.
3:04
